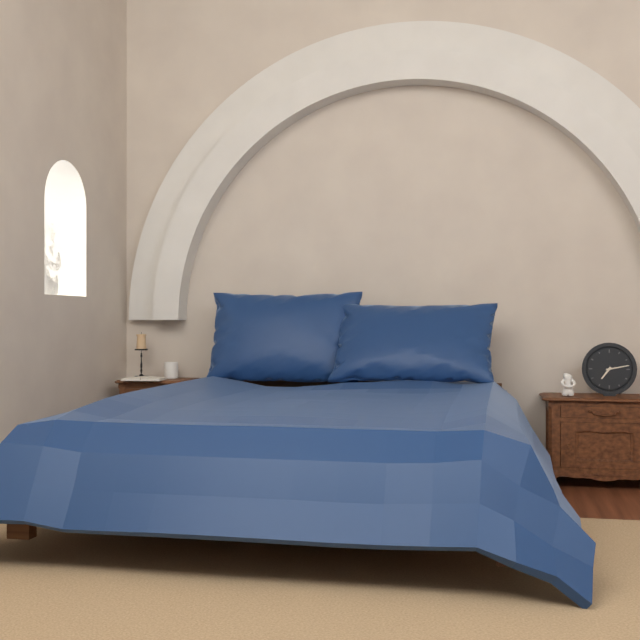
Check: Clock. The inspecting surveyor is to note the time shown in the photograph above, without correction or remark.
7:13
